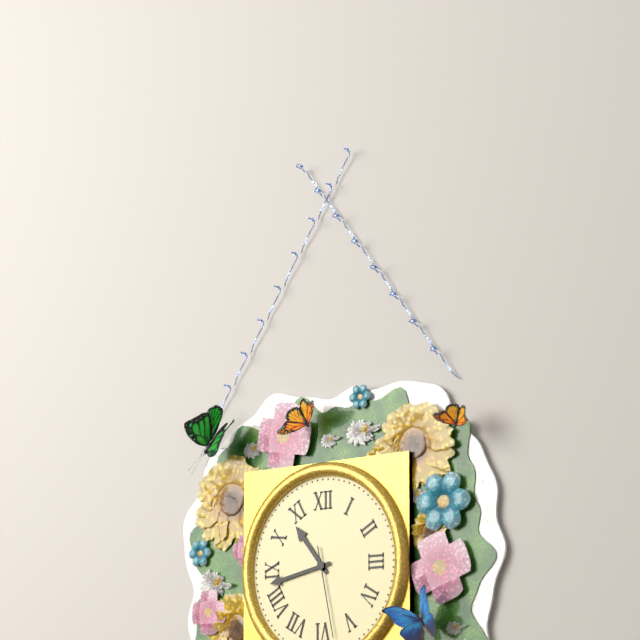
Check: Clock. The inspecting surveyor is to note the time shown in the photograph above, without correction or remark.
10:43:28
